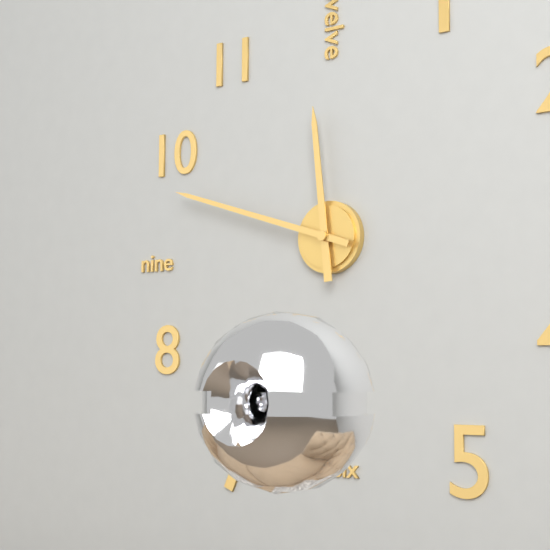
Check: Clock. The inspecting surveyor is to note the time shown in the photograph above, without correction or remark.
11:48
